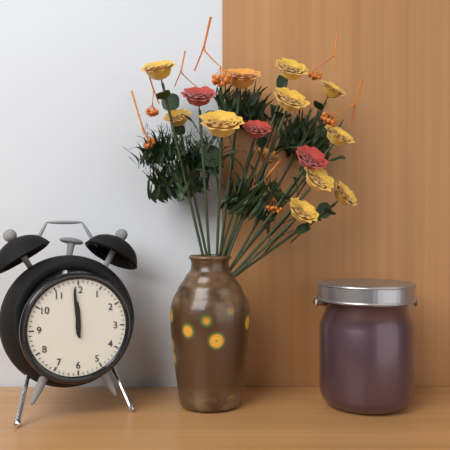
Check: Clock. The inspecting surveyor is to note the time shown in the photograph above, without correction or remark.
11:59
